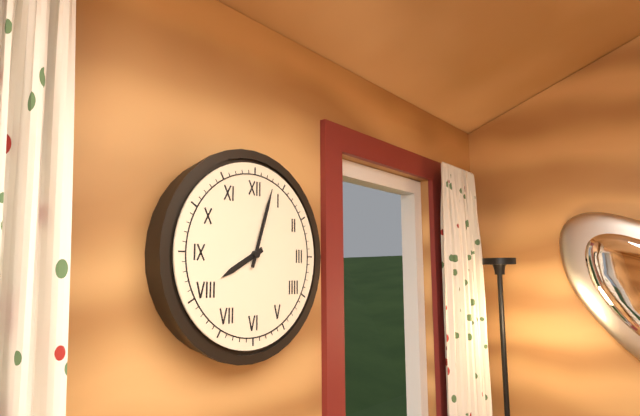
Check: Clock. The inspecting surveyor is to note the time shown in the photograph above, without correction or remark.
8:03
